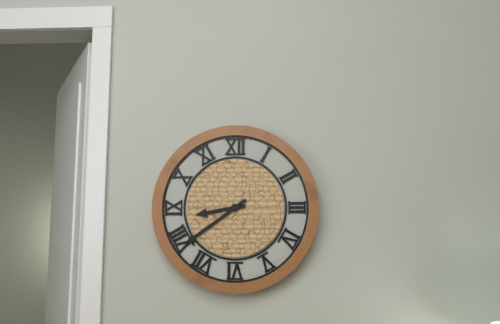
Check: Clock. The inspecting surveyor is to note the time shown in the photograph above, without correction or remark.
8:39
